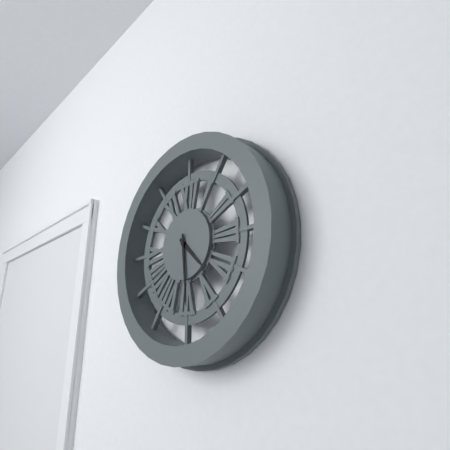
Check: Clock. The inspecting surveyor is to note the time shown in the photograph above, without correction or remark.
4:29
